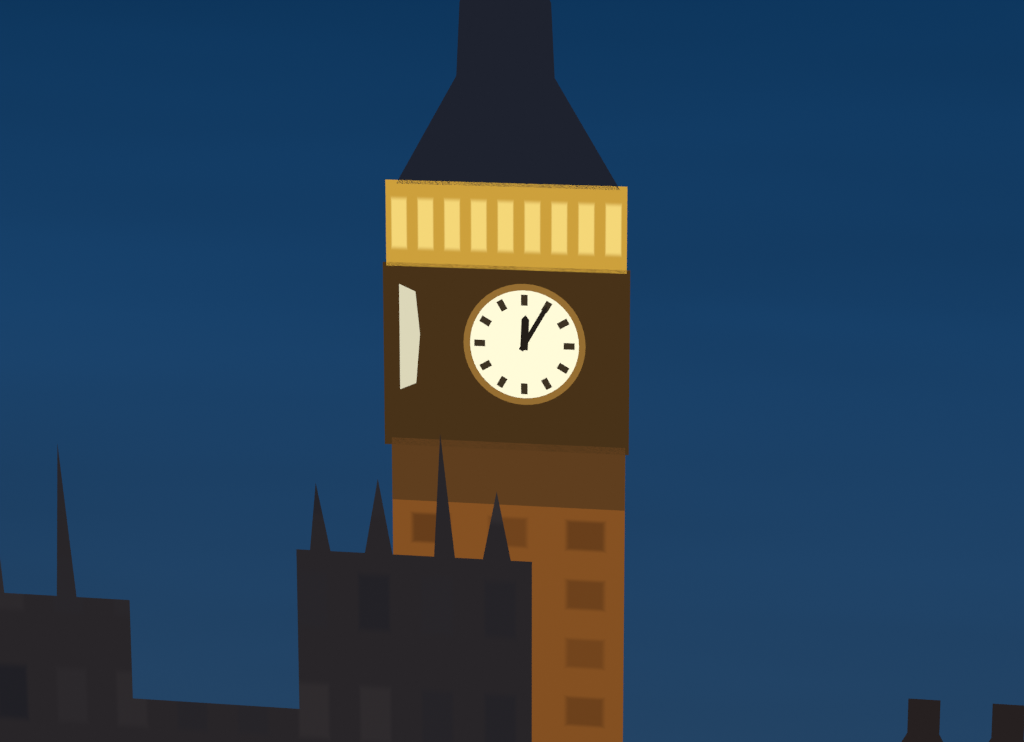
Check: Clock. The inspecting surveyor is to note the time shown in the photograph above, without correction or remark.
12:05
